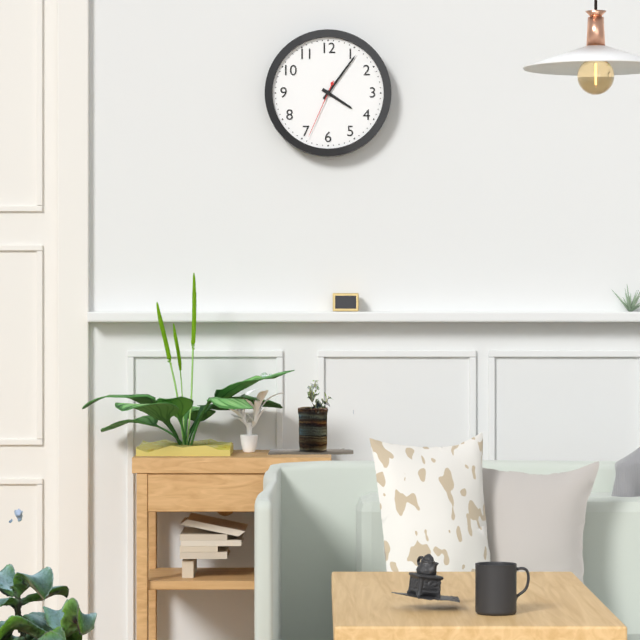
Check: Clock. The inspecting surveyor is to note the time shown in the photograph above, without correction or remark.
4:06:34
